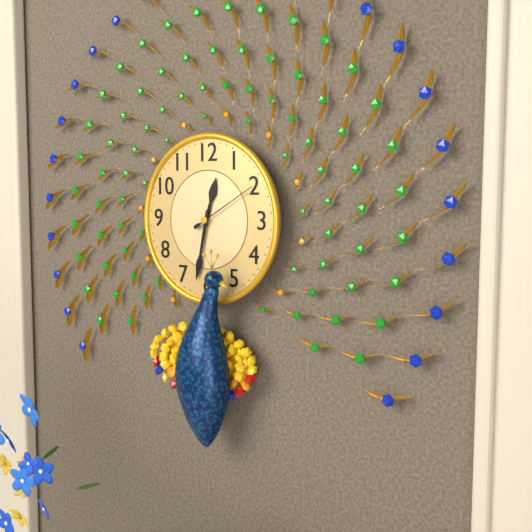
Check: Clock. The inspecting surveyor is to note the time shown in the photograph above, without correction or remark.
12:32:10
